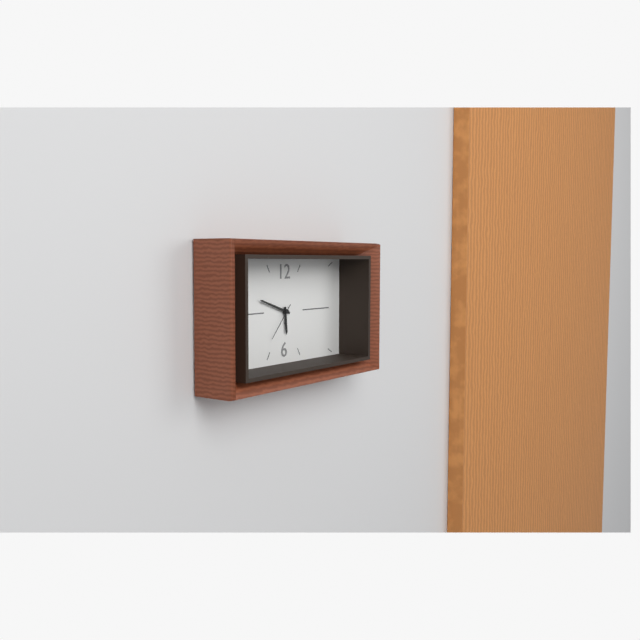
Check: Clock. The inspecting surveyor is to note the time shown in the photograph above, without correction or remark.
5:48
